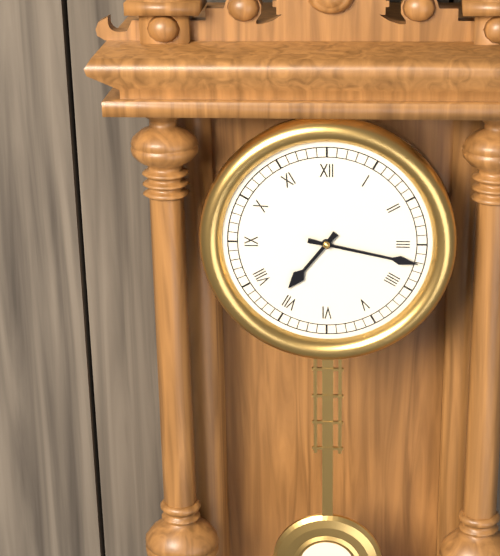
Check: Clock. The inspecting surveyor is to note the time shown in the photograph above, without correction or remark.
7:17
